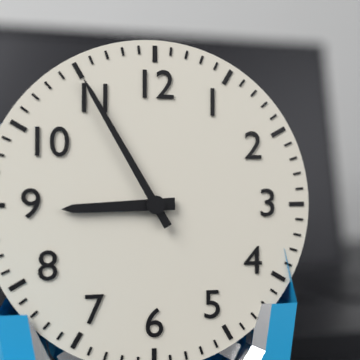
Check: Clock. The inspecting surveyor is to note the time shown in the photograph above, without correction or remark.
8:55
